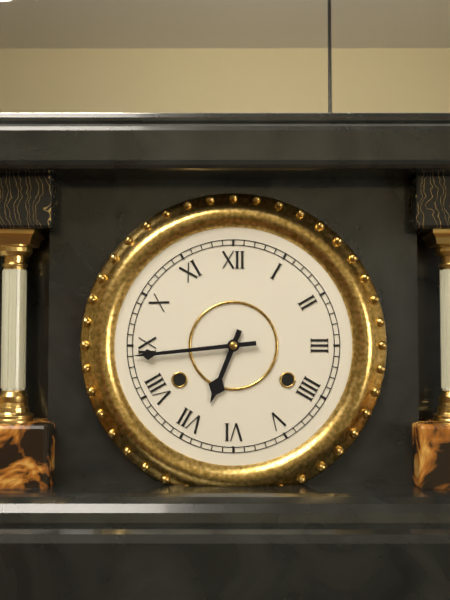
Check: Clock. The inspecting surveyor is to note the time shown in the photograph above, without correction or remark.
6:44
